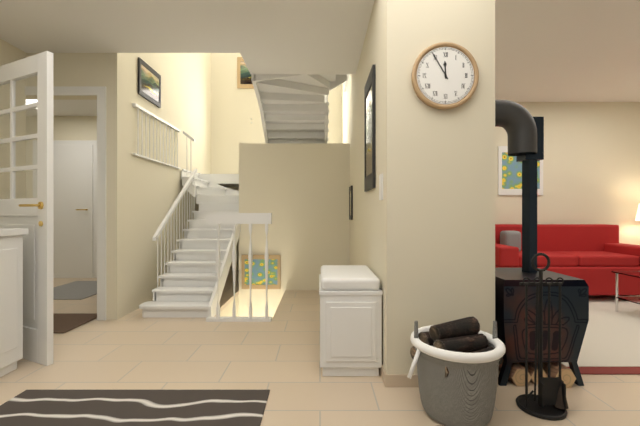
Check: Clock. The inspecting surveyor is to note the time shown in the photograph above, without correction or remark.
11:55
